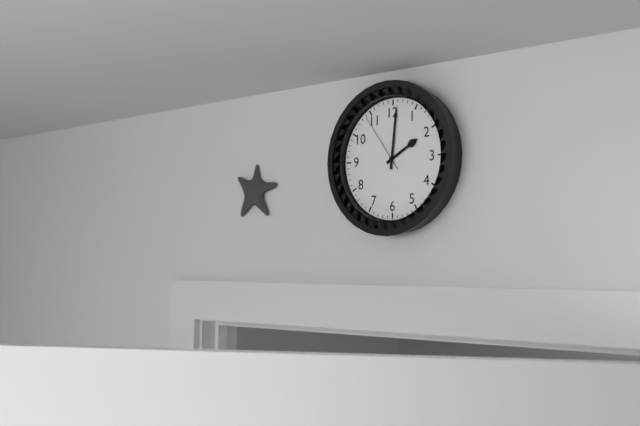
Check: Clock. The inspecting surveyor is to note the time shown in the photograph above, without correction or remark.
2:01:54
